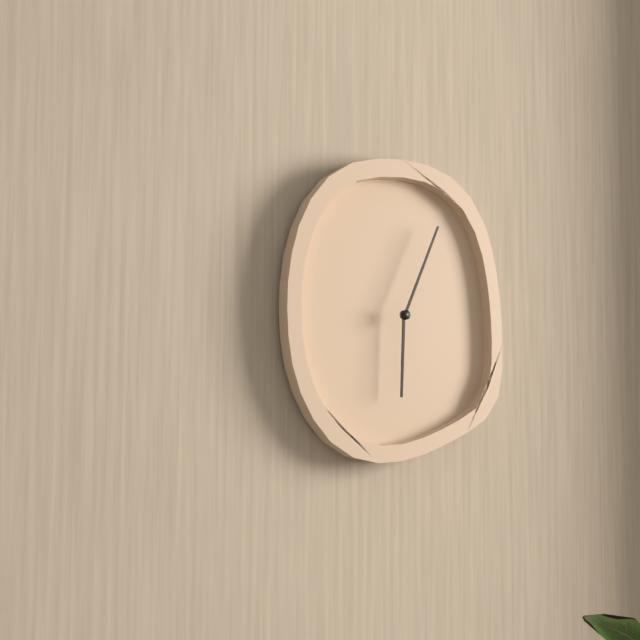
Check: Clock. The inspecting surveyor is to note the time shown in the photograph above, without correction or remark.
6:04
